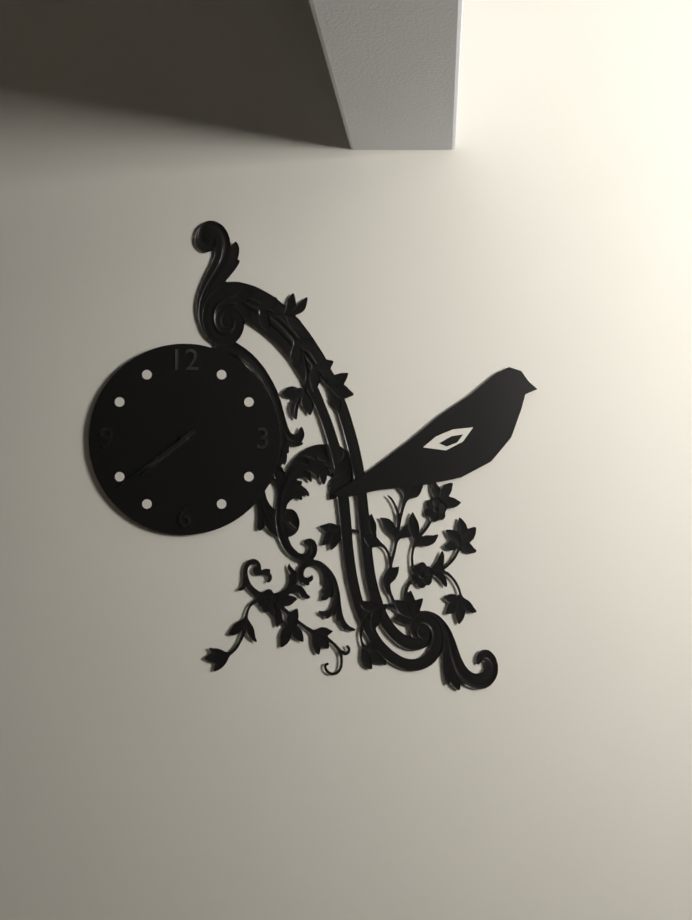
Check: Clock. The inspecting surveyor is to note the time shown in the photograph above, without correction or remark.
7:39
